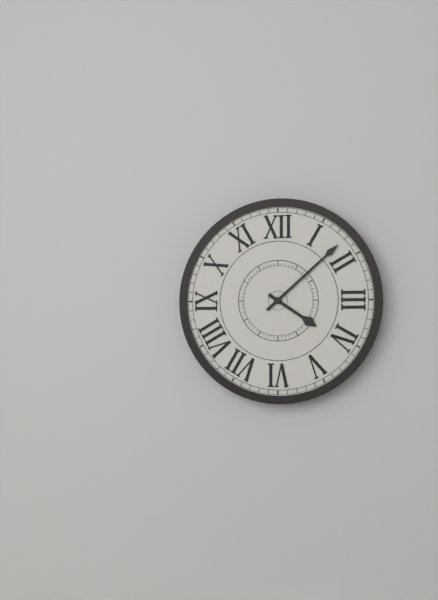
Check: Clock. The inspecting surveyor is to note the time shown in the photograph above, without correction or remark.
4:08
